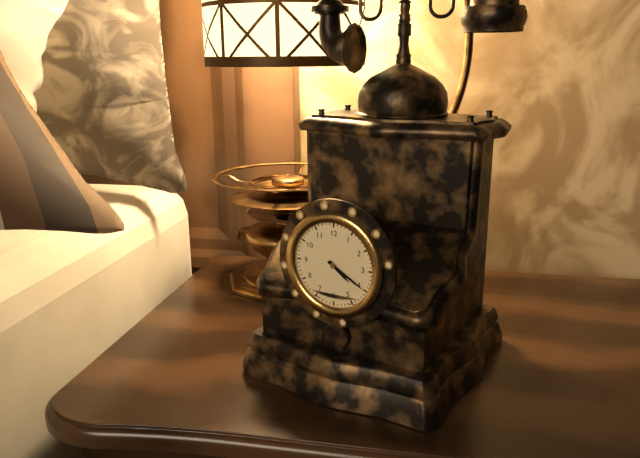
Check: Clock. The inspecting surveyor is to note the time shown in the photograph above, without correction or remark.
4:20
